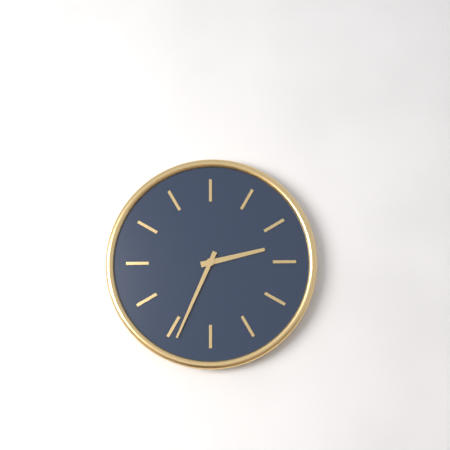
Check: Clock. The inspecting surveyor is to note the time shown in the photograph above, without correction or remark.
2:34
